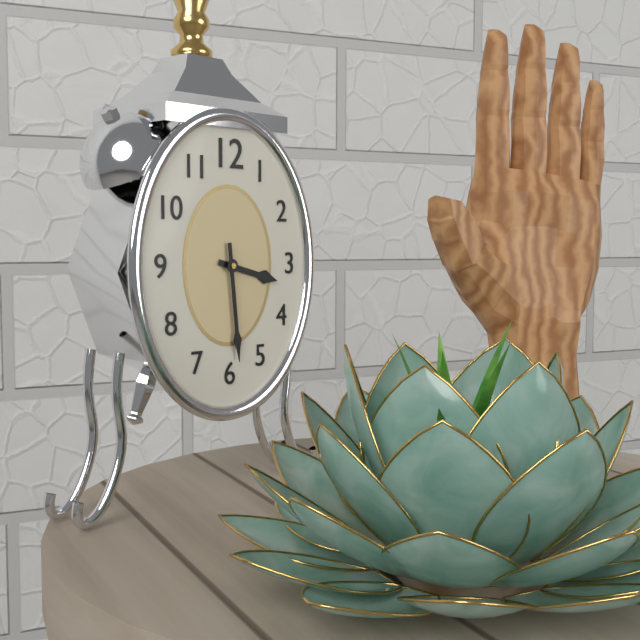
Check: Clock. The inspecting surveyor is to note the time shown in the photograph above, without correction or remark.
3:29
